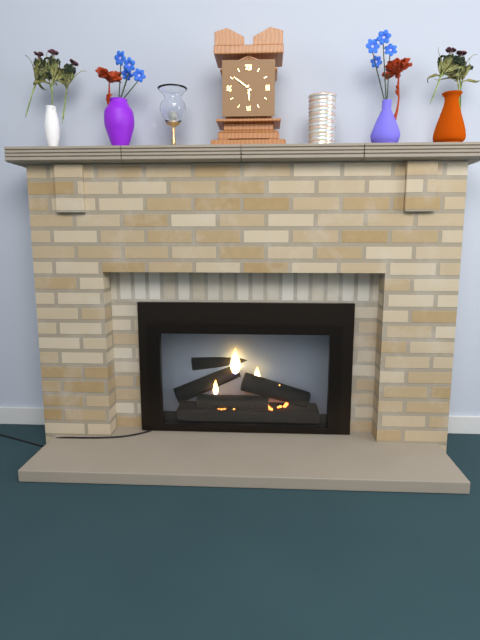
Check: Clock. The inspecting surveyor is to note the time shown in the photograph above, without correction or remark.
5:51
